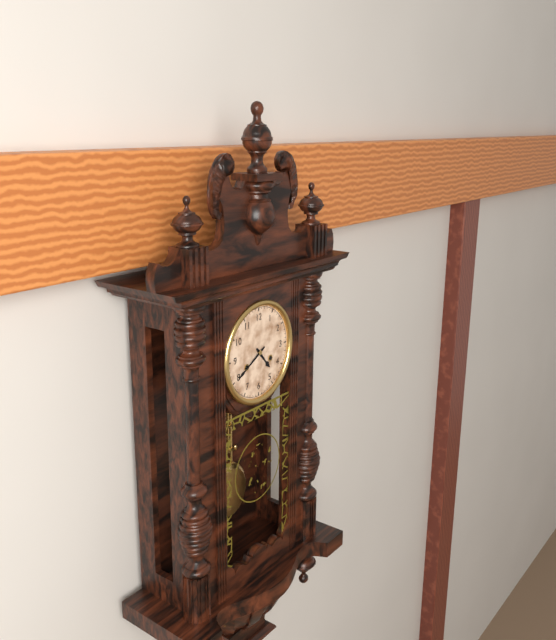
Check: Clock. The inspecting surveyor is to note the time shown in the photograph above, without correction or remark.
4:40
